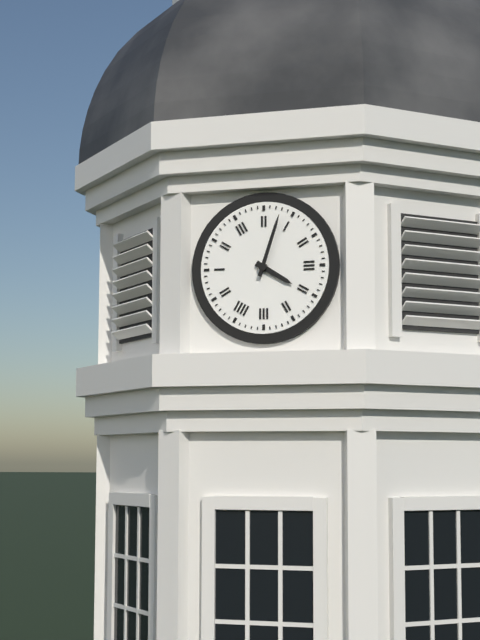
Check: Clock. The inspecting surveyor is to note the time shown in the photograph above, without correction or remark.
4:03
